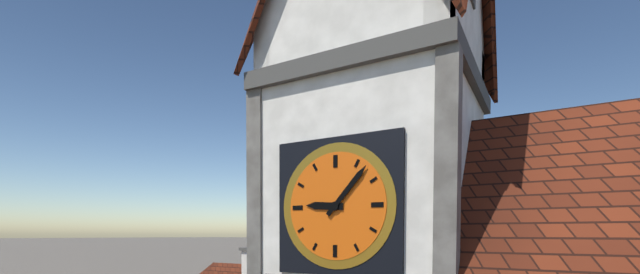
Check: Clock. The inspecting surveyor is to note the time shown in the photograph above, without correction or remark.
9:07
